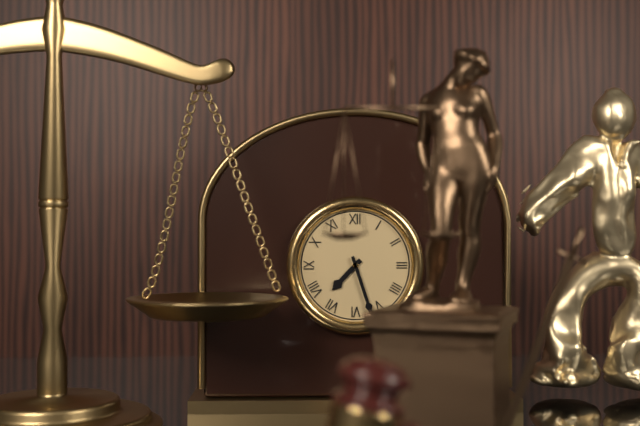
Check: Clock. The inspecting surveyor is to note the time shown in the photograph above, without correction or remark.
7:27
